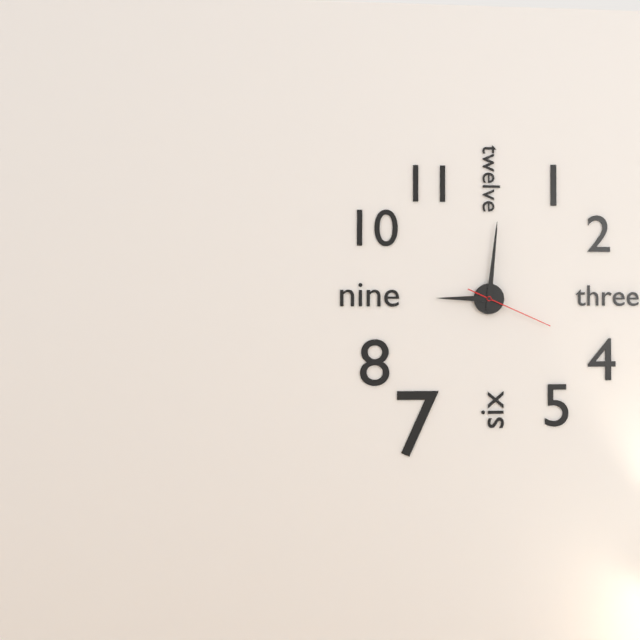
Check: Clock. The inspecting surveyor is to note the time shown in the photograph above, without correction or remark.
9:01:19
